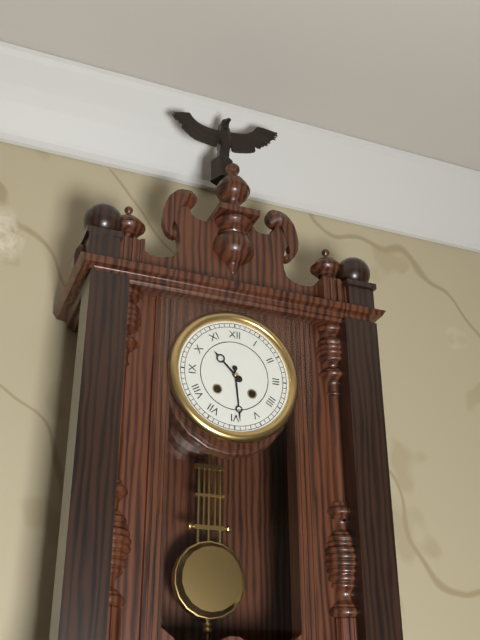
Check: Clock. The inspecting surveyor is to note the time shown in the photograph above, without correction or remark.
10:29
